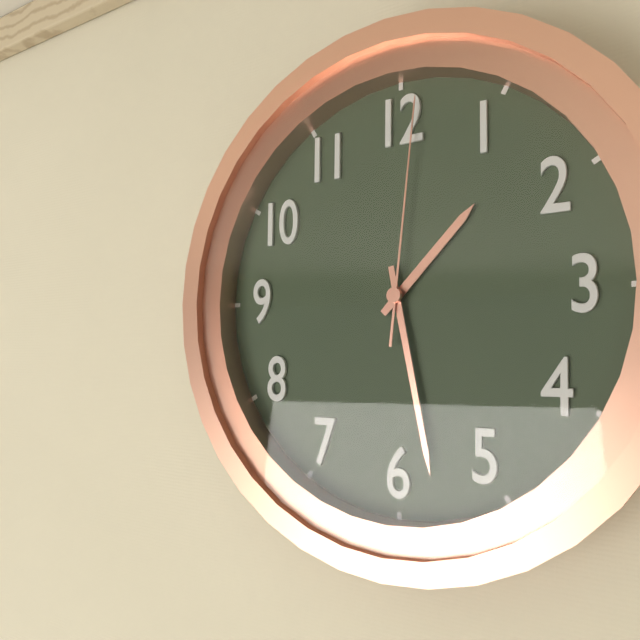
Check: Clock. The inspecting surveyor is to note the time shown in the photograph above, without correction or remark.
1:28:01
